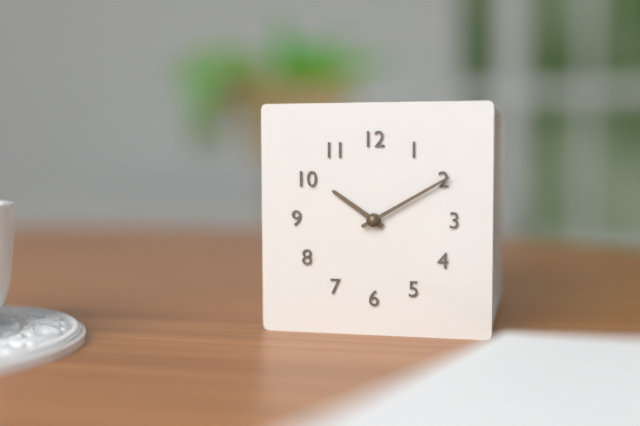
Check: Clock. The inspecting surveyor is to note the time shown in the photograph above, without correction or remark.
10:10
